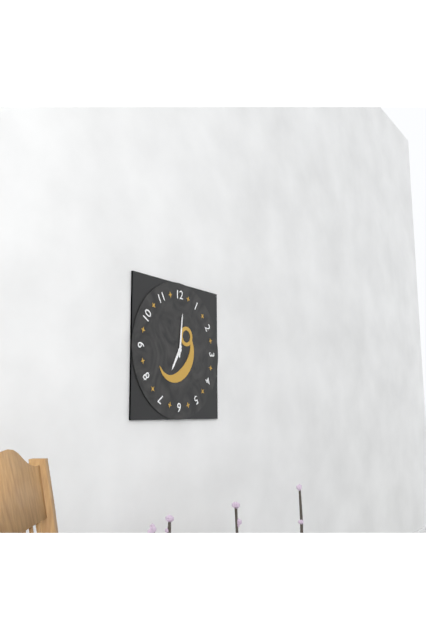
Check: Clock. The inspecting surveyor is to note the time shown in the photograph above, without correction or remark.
7:01
